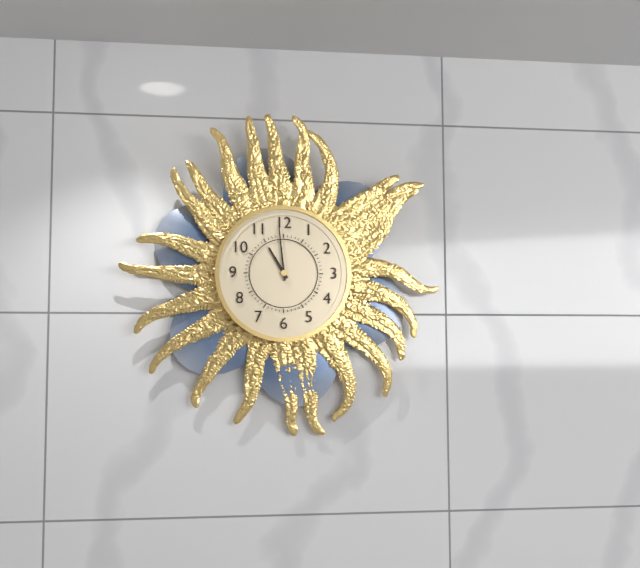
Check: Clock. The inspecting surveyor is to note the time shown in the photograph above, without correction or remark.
10:59
